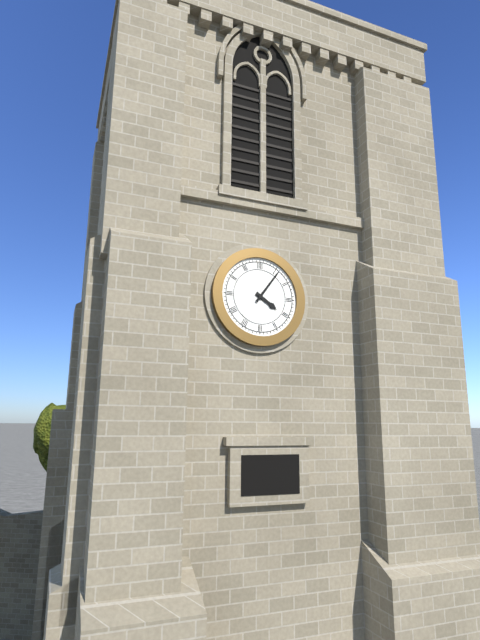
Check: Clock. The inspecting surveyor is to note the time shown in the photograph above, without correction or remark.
4:06
